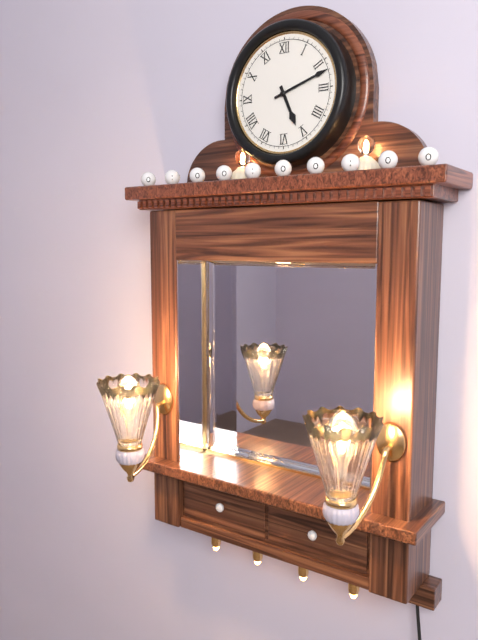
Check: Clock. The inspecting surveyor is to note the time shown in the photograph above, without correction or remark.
5:12
